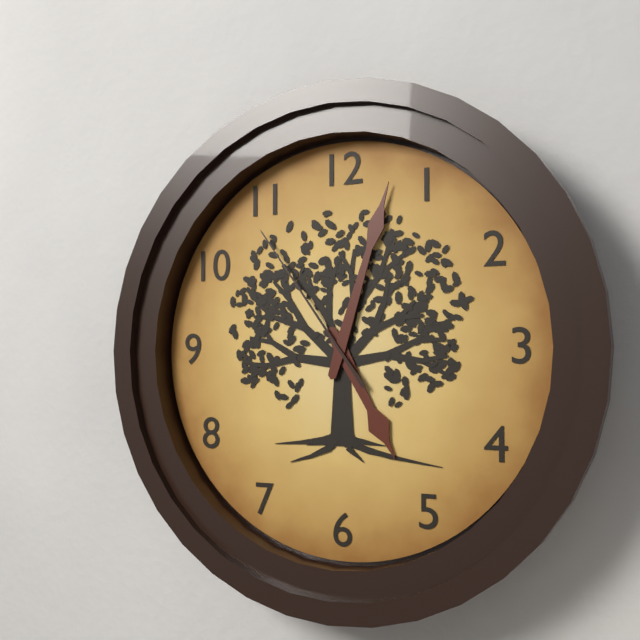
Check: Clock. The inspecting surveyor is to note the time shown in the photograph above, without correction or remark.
5:03:54
